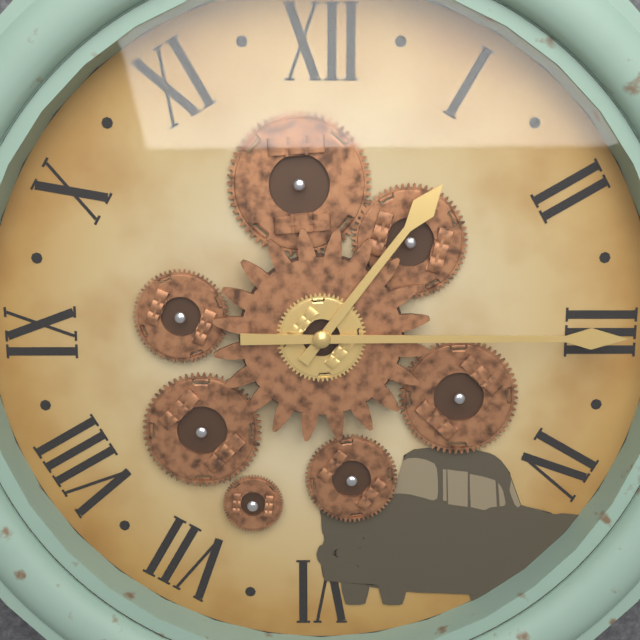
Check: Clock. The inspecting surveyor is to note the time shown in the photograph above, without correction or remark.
1:15
